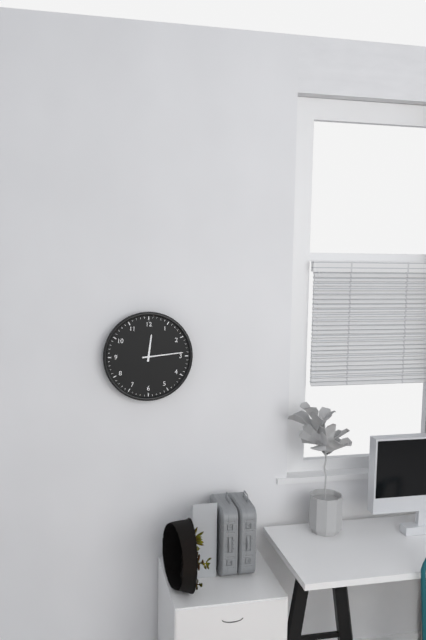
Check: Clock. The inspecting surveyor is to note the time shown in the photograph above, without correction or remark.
12:14
